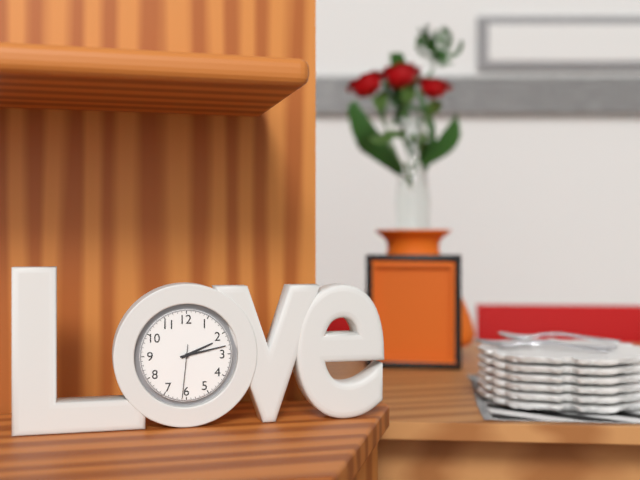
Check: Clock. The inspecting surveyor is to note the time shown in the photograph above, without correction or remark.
2:13:31
